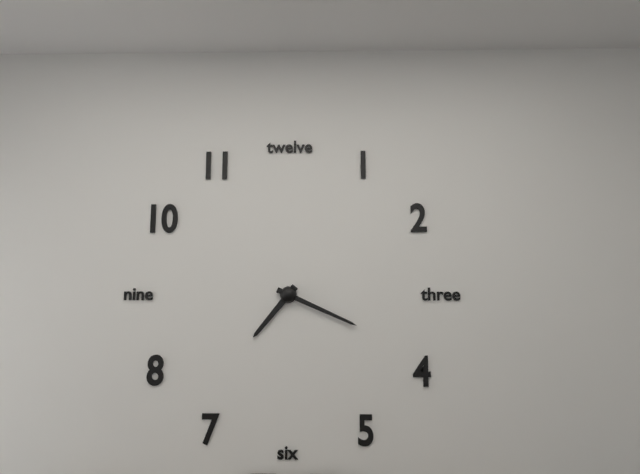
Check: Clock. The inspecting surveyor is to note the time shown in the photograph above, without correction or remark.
7:19
